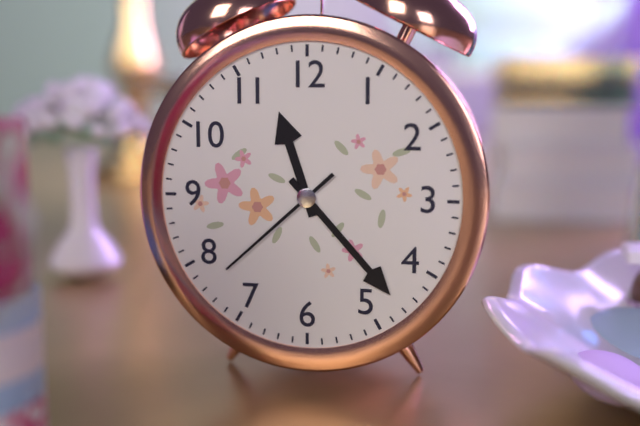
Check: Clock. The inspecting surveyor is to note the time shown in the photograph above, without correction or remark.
11:23:38
